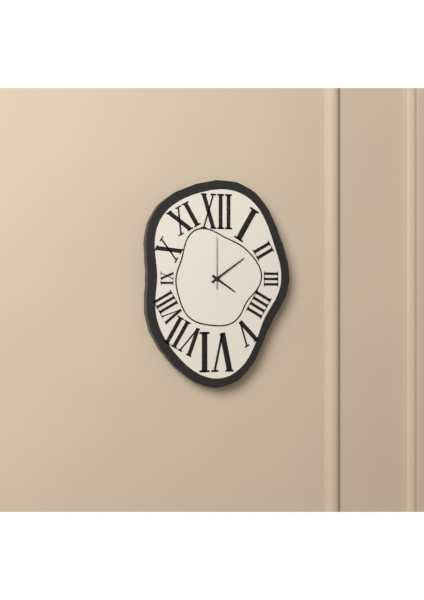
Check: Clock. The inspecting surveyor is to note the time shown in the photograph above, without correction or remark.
4:09:00
